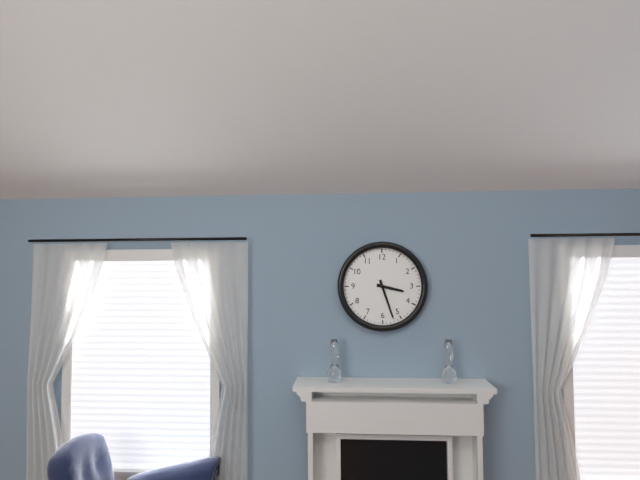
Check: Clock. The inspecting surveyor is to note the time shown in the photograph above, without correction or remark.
3:27
